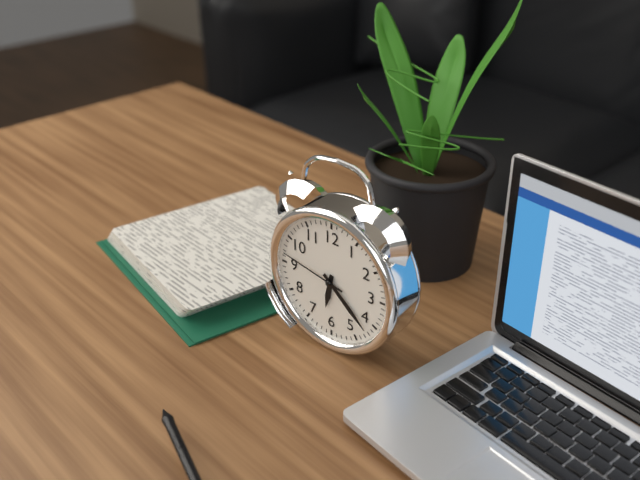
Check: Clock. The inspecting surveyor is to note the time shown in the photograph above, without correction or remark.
6:22:47
